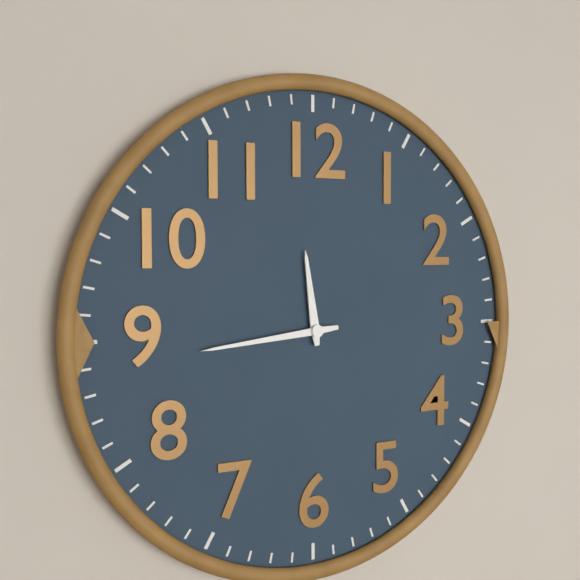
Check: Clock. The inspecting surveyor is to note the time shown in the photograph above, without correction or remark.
11:44
